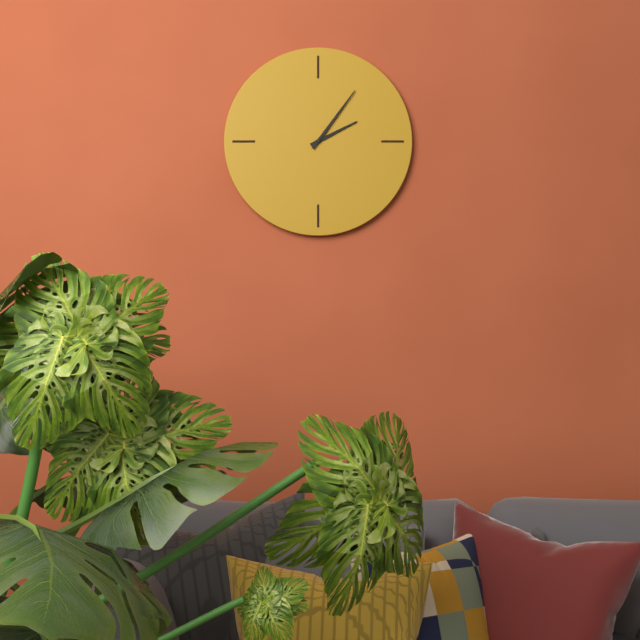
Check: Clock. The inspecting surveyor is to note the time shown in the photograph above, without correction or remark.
2:06
